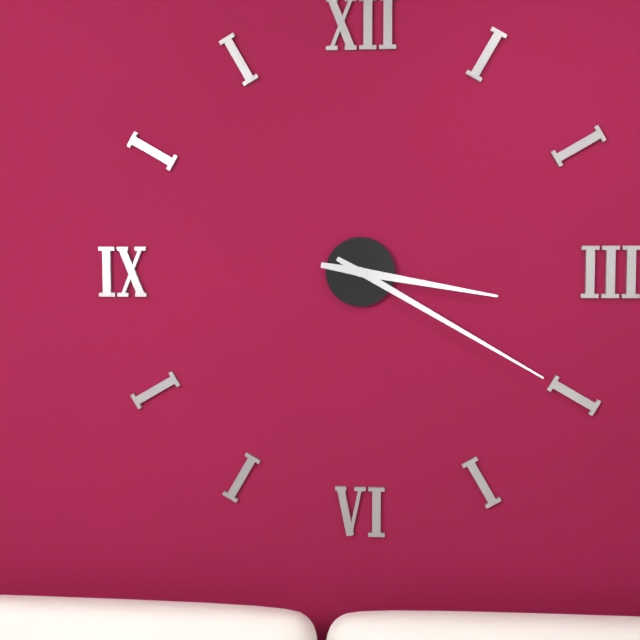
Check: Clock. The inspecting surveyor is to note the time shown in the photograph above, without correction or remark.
3:20
